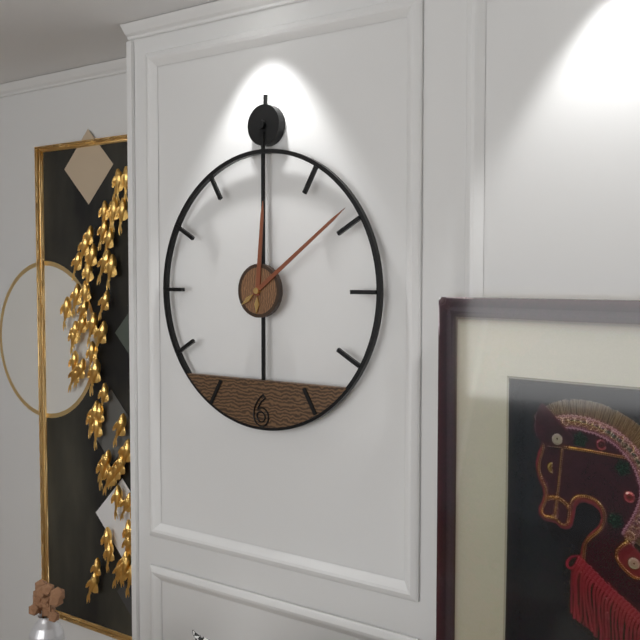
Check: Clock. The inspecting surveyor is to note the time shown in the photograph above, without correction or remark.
12:09
